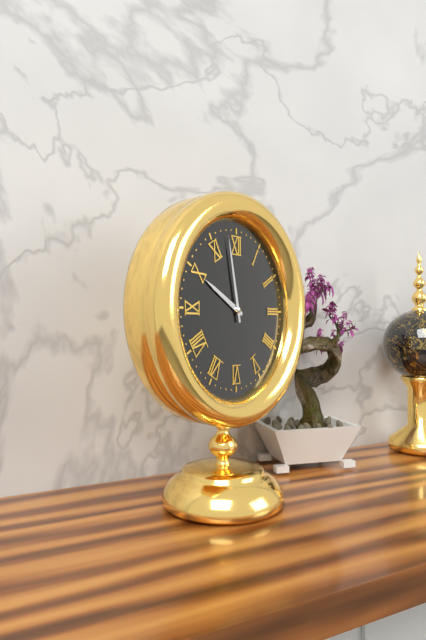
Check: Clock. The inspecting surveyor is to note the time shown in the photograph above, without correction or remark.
9:58
